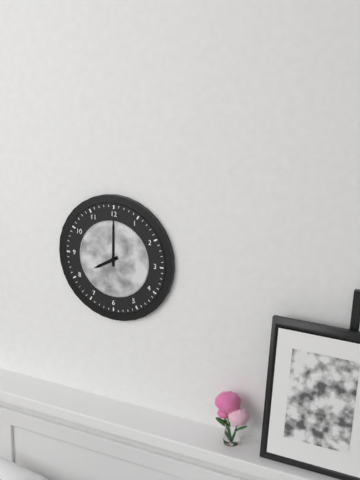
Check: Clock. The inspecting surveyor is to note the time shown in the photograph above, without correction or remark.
8:00
